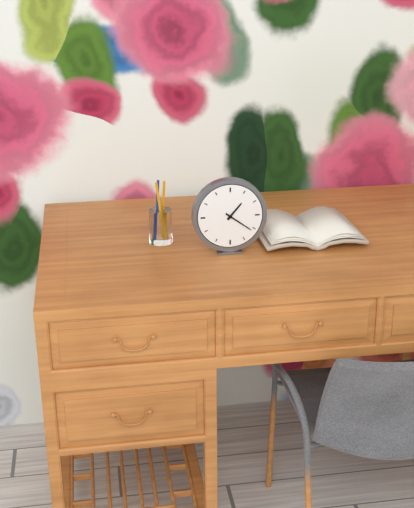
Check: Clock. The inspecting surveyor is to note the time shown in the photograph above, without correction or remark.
1:21
